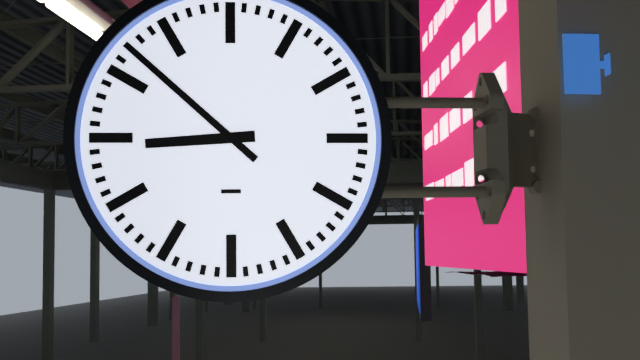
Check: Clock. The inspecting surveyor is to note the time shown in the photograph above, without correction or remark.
8:52
